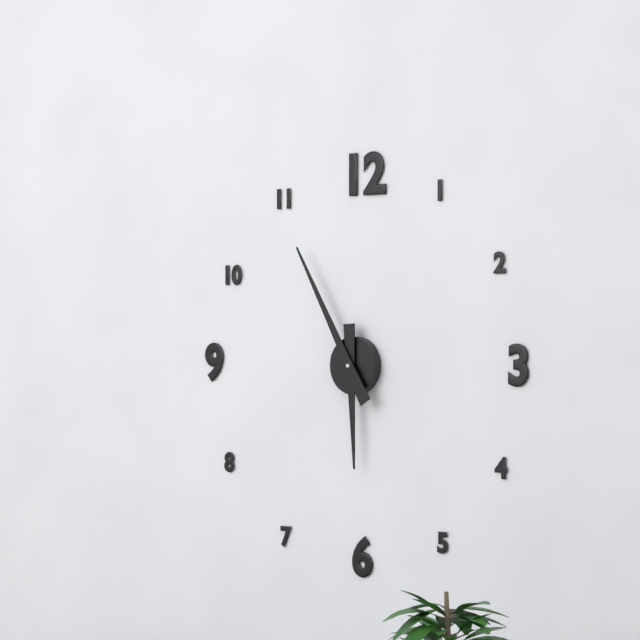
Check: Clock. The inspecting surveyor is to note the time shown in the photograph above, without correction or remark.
5:55
